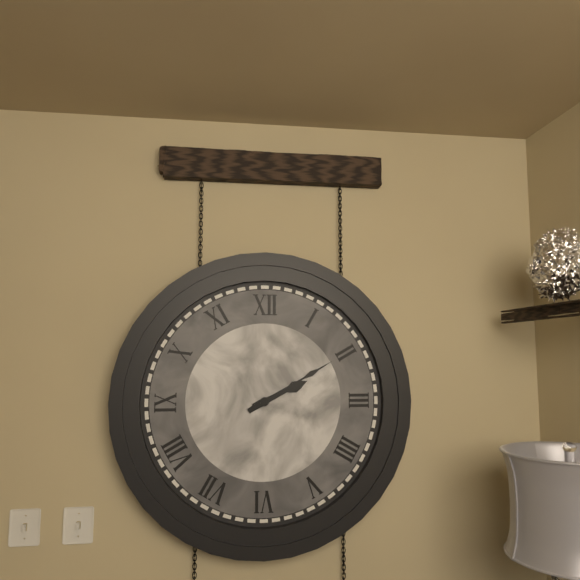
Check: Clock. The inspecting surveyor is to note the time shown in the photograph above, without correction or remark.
2:10
